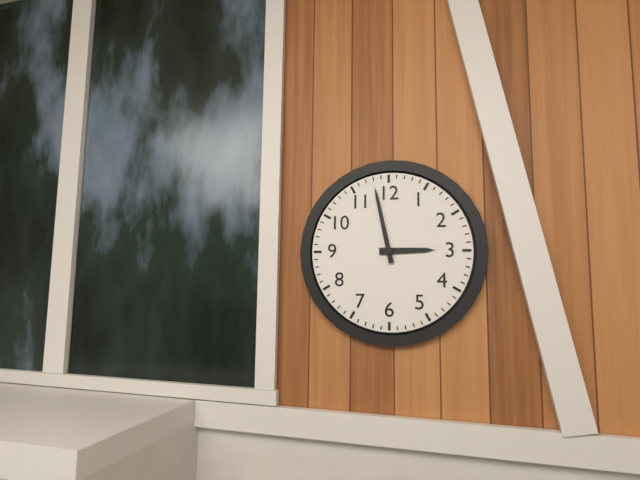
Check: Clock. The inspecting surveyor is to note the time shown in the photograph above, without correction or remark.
2:58
